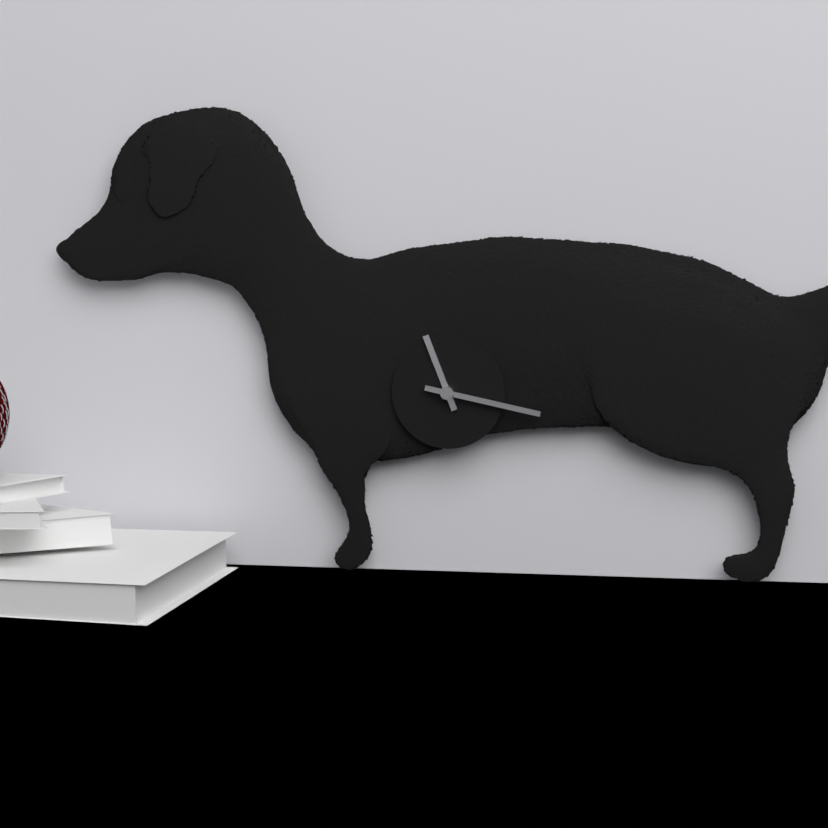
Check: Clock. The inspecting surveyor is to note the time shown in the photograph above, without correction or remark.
11:17
